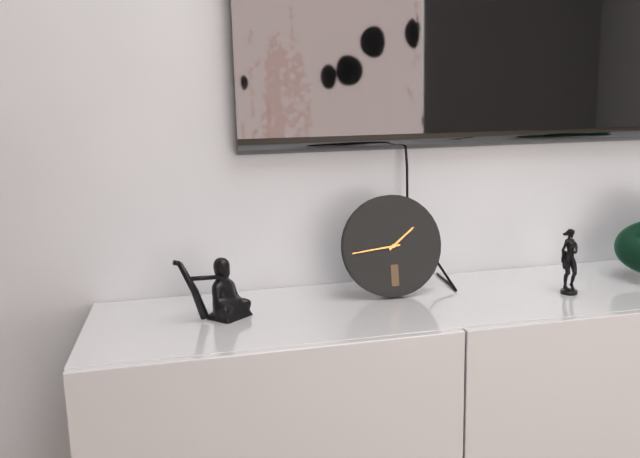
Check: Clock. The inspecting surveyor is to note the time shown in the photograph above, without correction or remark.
1:44
